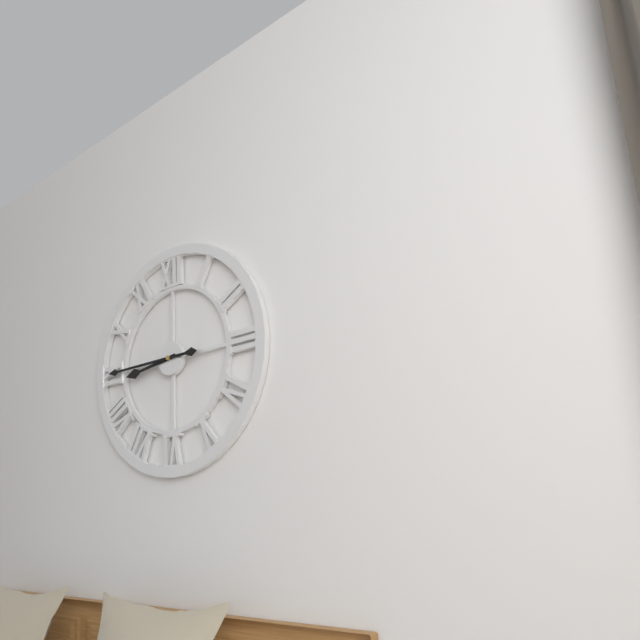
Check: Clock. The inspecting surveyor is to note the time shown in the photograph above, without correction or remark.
8:45
